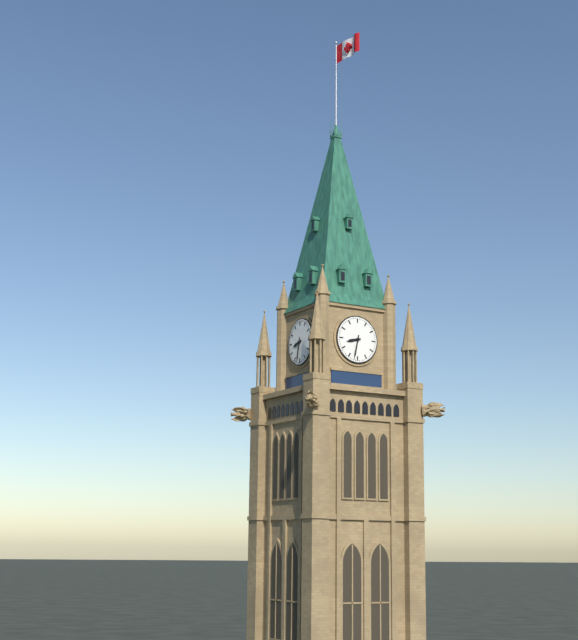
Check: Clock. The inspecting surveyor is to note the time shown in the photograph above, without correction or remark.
8:32
